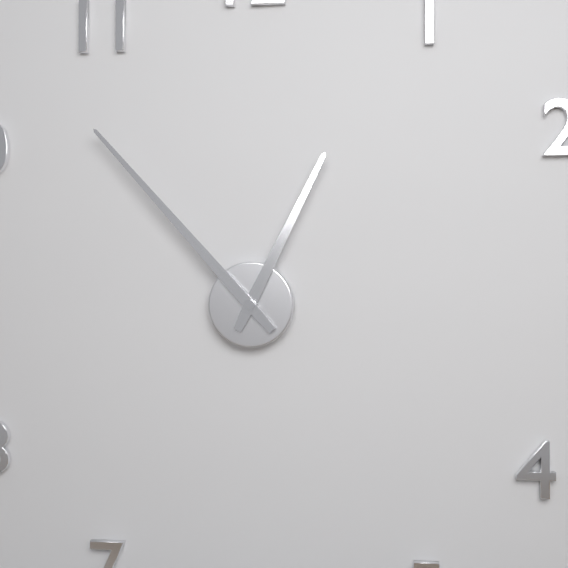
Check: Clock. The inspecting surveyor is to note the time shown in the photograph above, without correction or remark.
12:53
